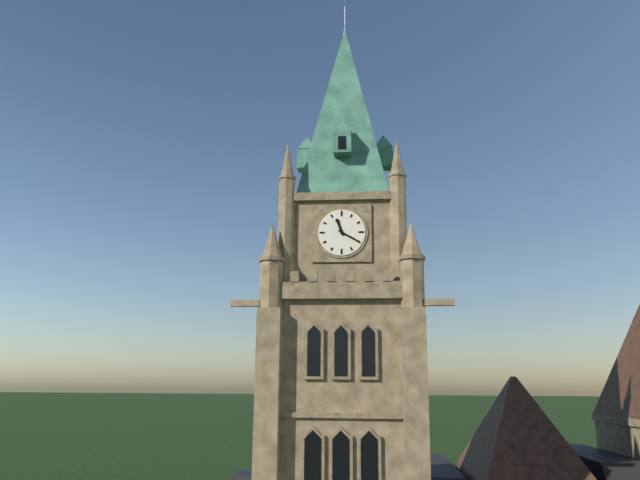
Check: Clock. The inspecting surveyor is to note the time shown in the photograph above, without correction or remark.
11:20
